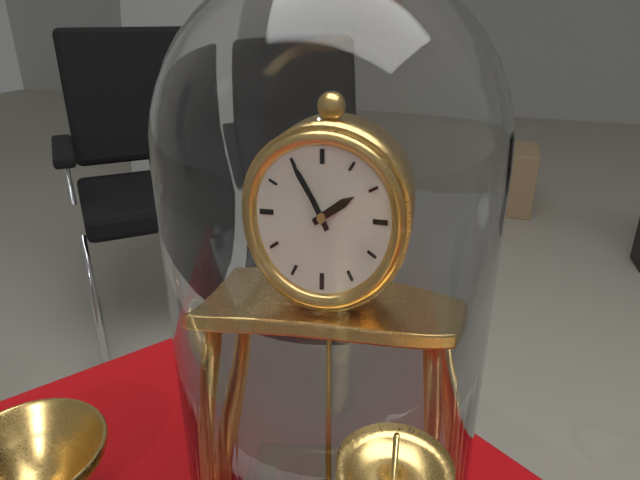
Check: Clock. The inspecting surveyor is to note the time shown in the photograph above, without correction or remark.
1:55
